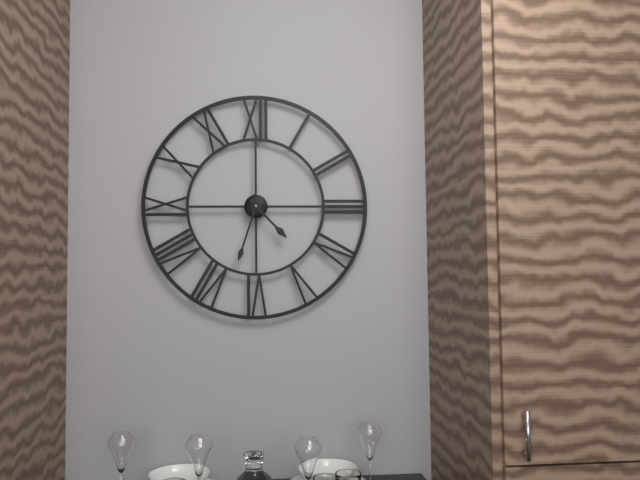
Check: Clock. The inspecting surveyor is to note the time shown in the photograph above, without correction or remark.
4:33
